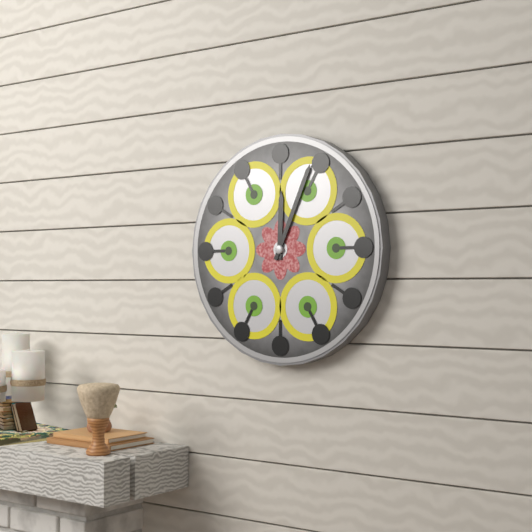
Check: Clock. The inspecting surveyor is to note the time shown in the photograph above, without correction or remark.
12:04
